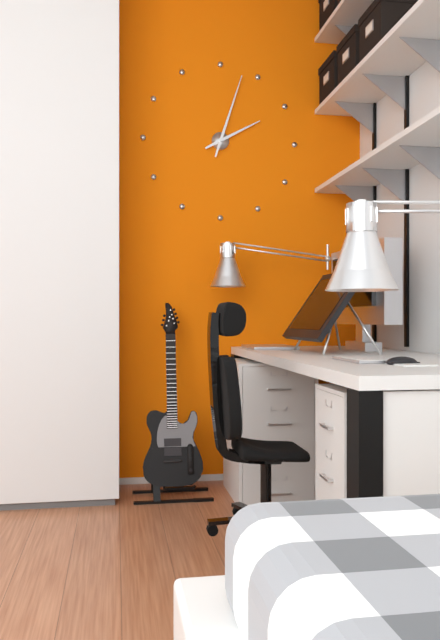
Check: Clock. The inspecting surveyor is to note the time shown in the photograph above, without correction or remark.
2:03
